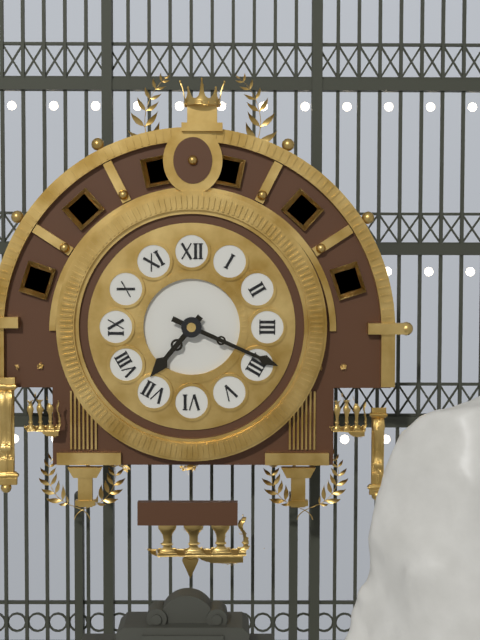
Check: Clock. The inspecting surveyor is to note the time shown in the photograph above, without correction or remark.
7:19
